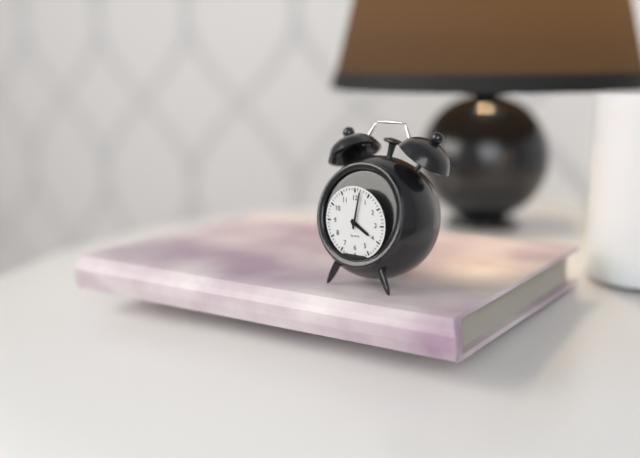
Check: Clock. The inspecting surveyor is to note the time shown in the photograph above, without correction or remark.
4:02
